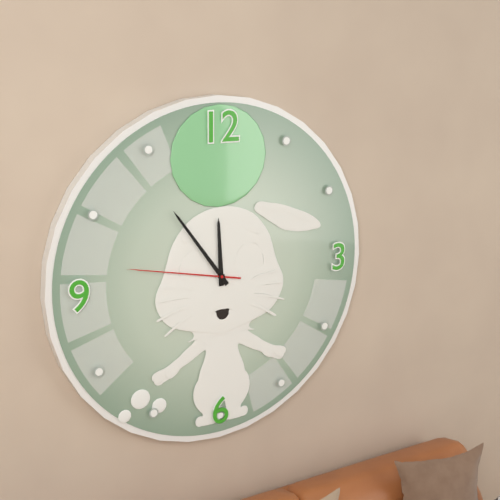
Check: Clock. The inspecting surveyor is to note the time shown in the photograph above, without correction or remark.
11:54:47
